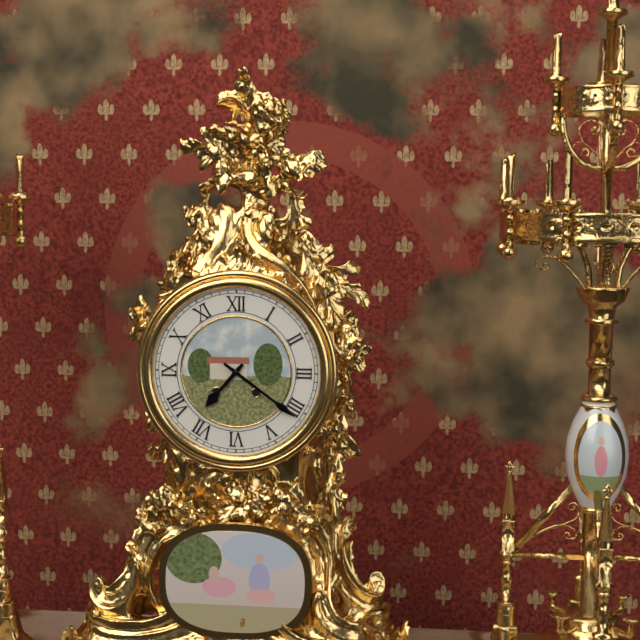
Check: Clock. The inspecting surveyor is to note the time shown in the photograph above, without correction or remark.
7:21
